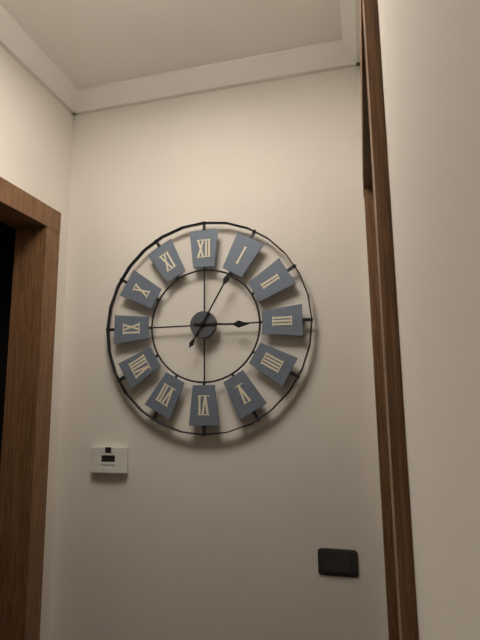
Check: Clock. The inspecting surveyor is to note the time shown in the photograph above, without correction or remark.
3:05
